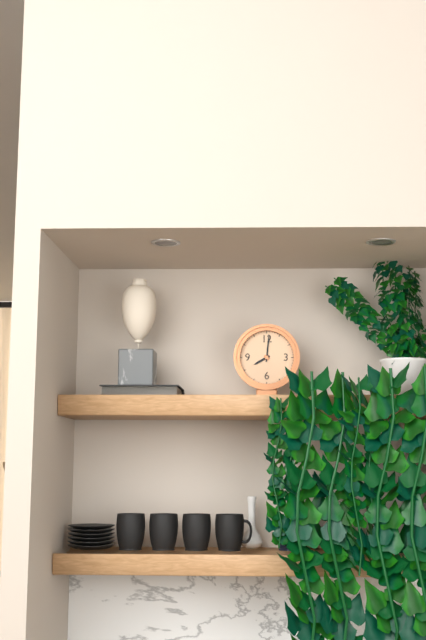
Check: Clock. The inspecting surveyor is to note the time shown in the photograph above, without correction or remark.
8:01
